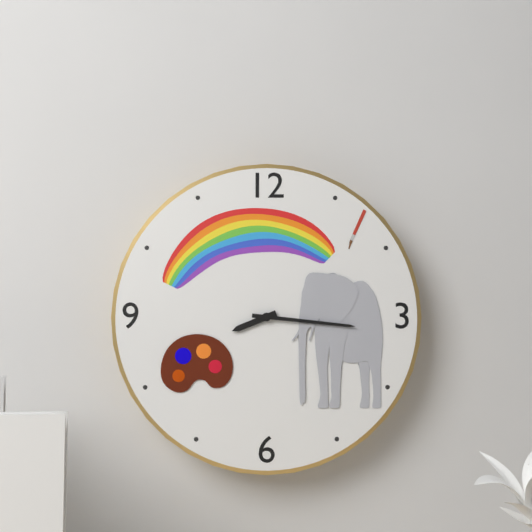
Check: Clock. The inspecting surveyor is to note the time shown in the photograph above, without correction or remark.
8:16
